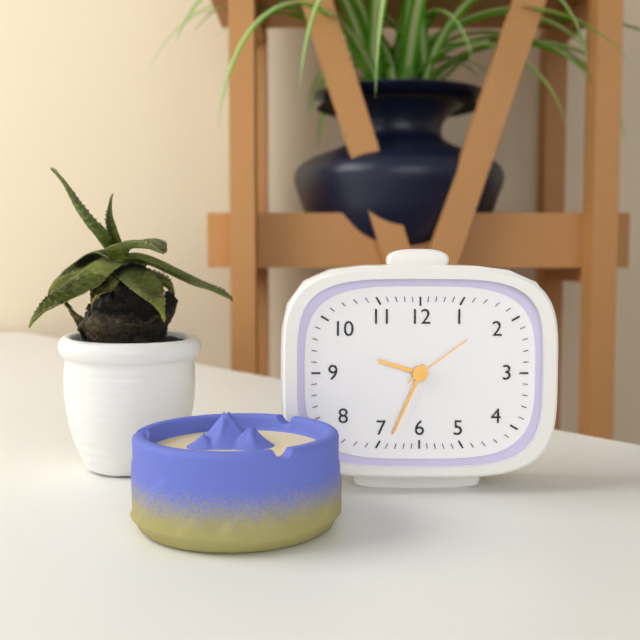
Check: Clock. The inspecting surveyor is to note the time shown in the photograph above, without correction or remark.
9:34:09
